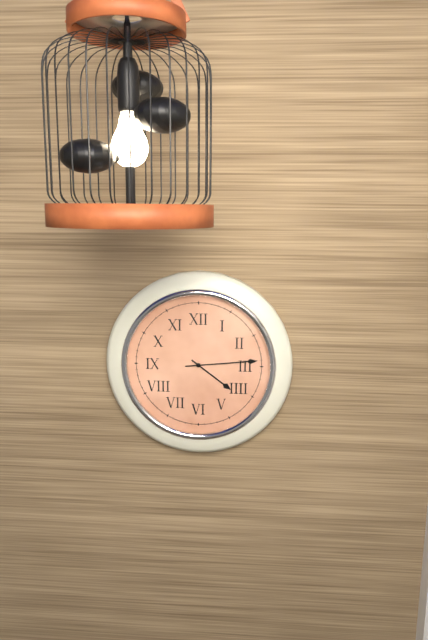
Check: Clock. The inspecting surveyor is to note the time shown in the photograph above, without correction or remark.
4:14
